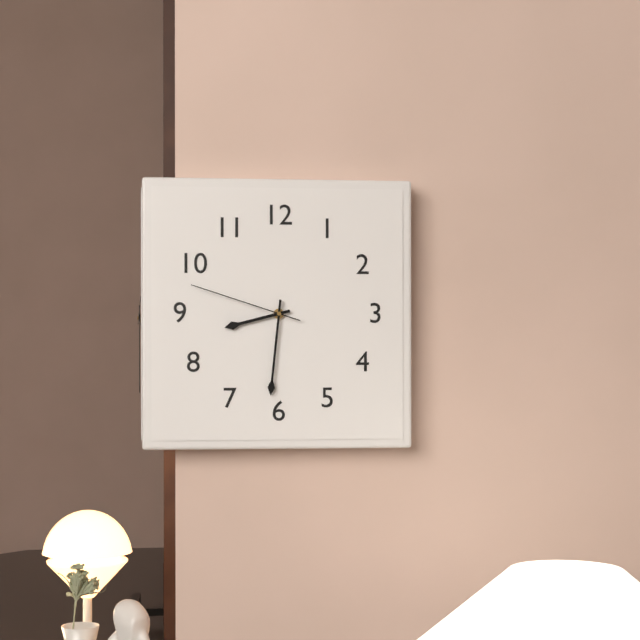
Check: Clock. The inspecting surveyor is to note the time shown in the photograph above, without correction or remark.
8:31:48
